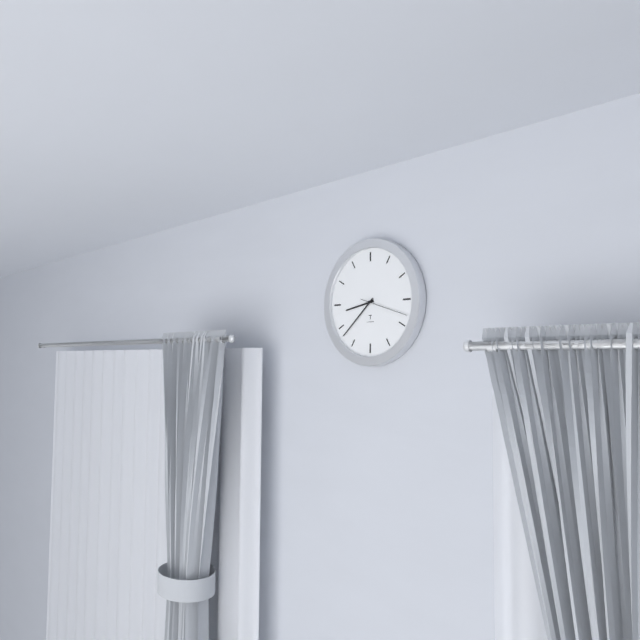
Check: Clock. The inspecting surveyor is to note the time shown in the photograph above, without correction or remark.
8:38
